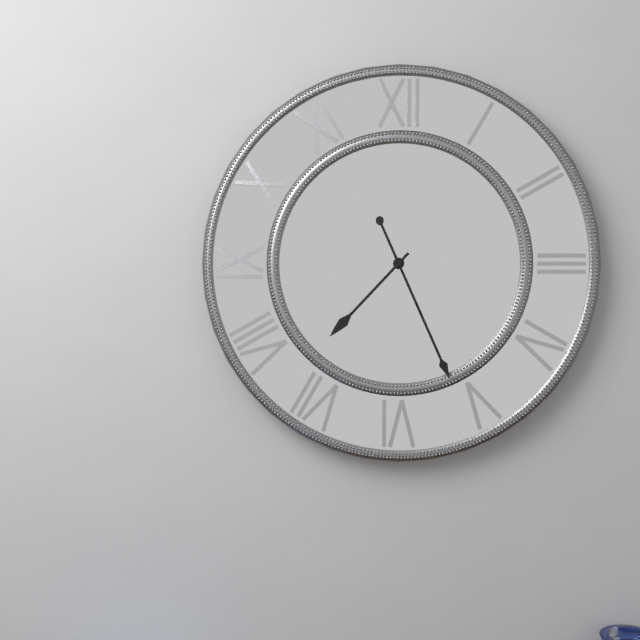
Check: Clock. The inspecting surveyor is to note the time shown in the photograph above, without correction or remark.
7:26
